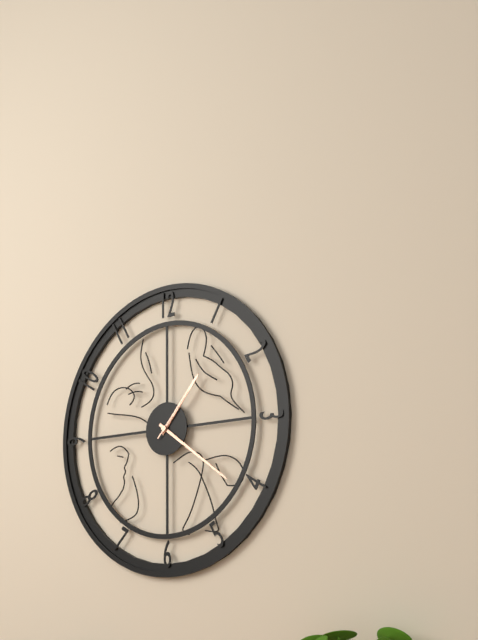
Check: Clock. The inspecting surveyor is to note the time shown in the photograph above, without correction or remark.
1:21:07
